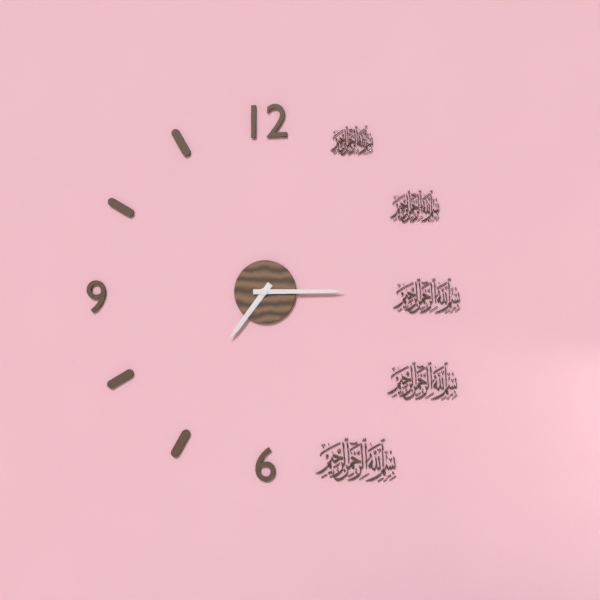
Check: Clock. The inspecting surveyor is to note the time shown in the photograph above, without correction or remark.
7:15
